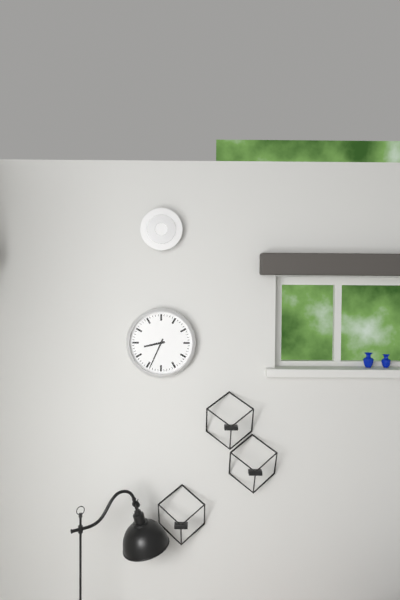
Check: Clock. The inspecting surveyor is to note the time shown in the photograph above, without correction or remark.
8:34
